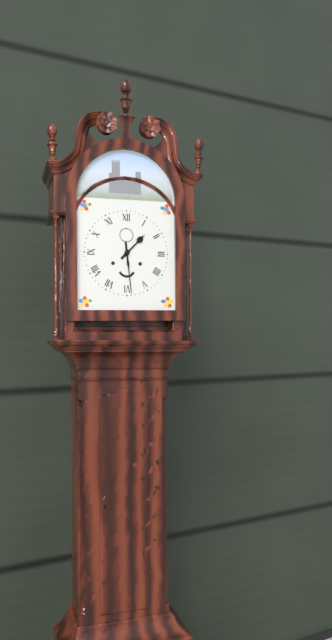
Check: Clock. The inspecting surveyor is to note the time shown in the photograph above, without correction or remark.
1:29
